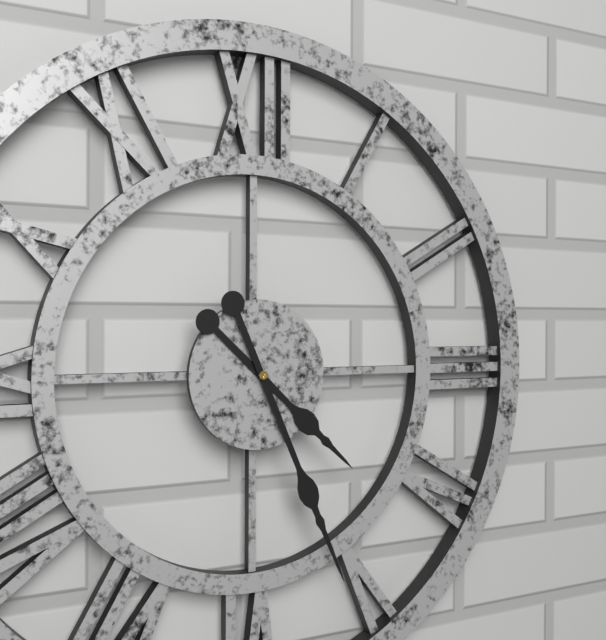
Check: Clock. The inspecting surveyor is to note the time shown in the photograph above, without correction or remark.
4:26
